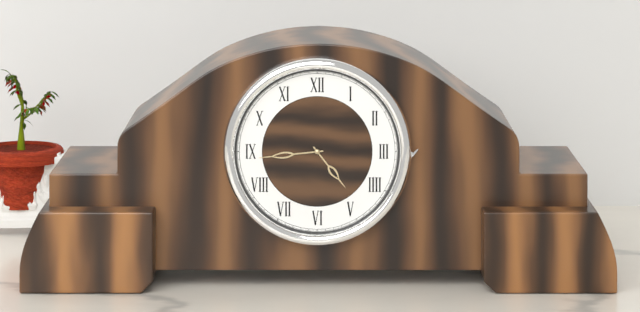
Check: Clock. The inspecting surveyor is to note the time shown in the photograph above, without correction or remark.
4:44
